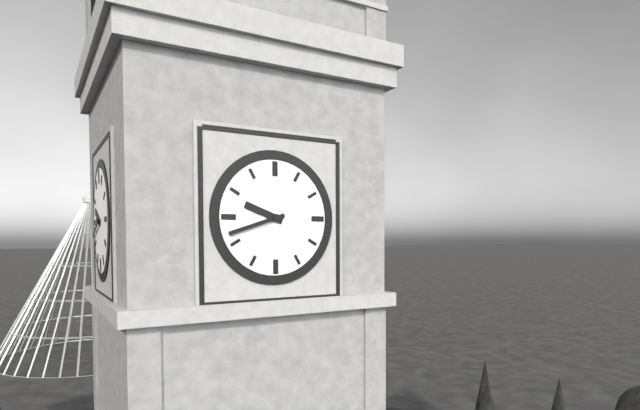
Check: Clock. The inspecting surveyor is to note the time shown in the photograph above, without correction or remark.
9:42
